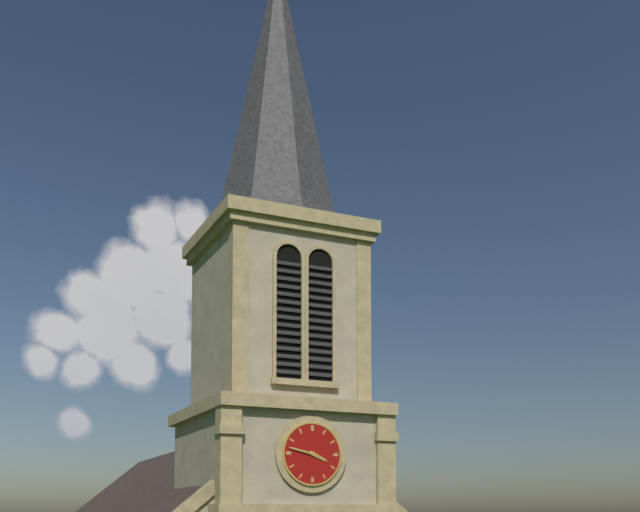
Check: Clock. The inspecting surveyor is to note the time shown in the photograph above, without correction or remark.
3:47
